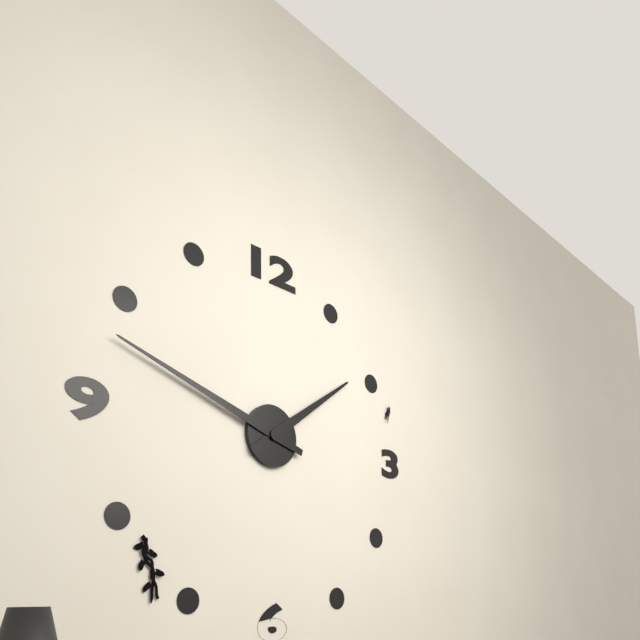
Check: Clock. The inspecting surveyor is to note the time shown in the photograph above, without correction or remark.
1:48
